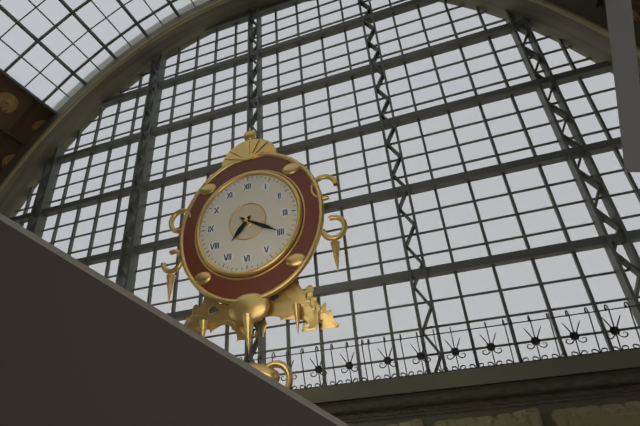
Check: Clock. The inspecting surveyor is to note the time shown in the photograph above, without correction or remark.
7:20
